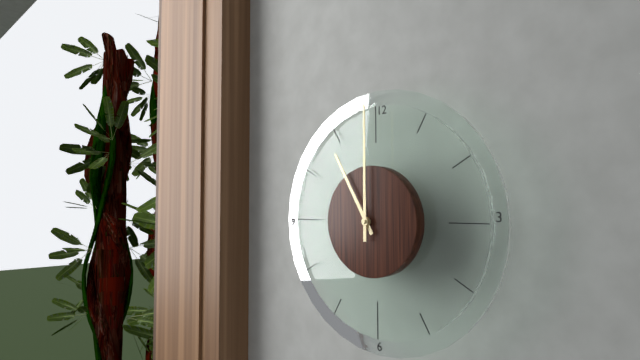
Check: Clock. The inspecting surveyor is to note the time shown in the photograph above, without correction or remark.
11:00
